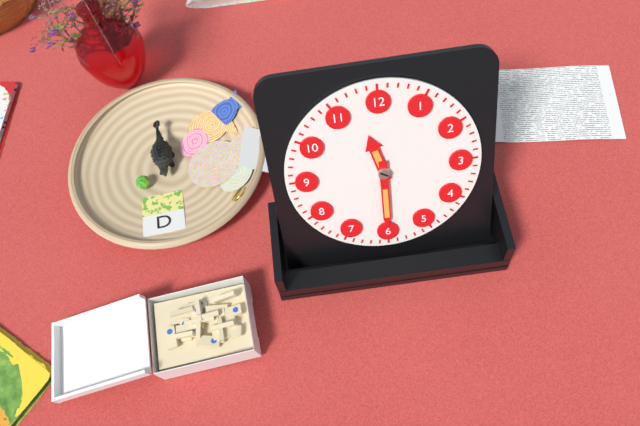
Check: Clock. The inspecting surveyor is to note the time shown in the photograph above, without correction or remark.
11:30
